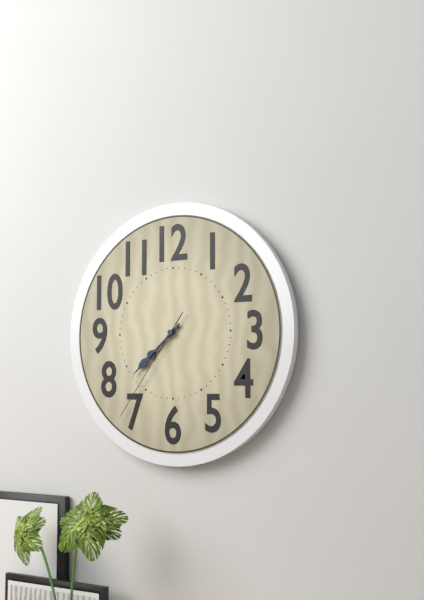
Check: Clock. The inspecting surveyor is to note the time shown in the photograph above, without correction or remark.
7:38:36
